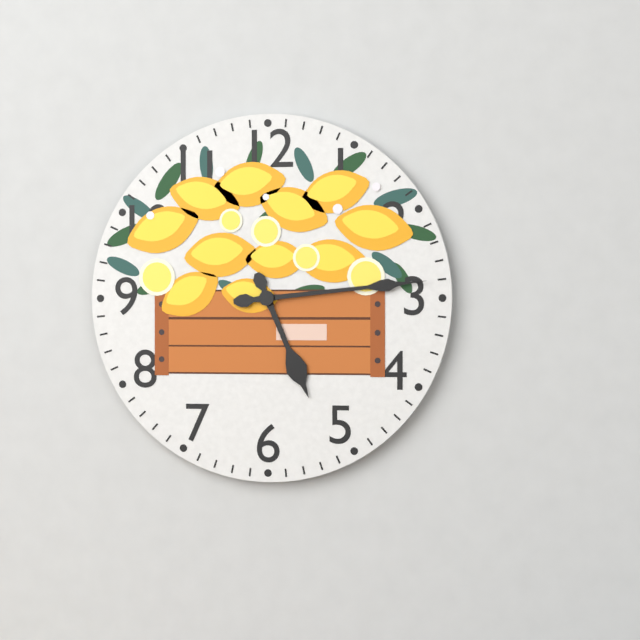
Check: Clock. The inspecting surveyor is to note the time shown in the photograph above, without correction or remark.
5:14
